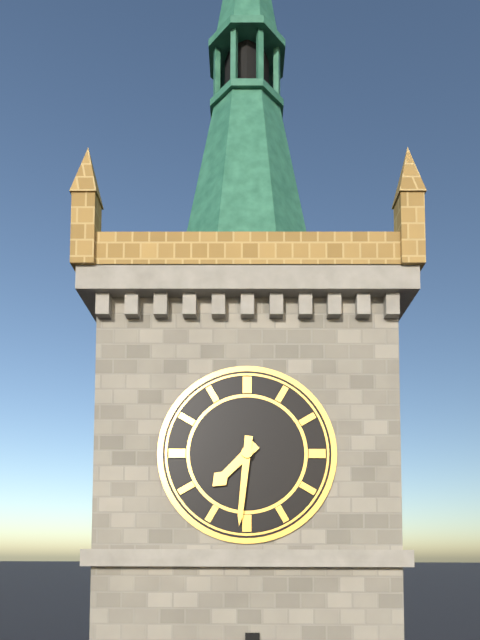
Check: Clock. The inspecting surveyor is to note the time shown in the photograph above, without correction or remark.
7:31
